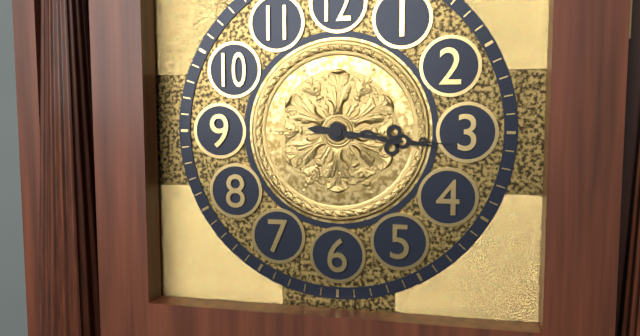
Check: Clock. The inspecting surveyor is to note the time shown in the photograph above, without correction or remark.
3:16
